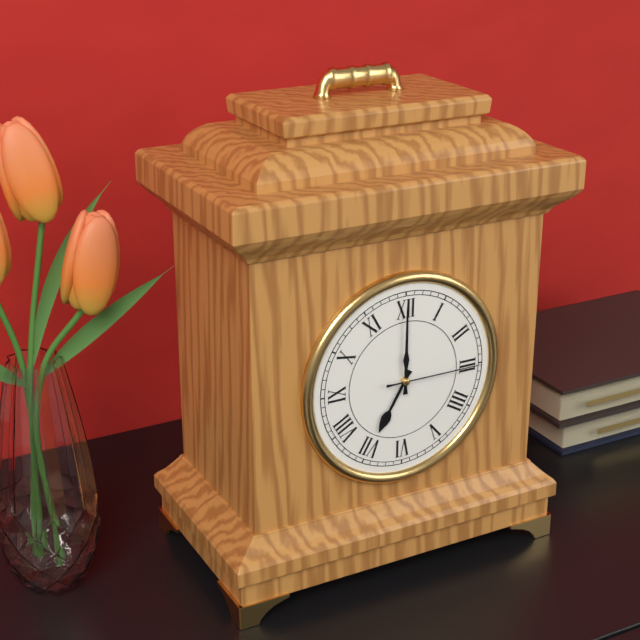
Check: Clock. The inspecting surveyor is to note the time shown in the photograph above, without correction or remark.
7:00:15
